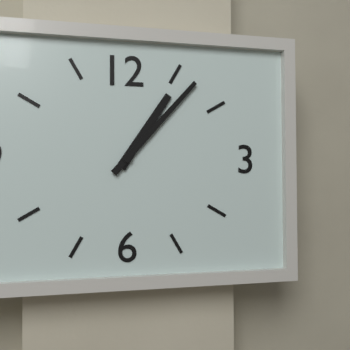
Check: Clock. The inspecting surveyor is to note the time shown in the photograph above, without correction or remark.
1:07
